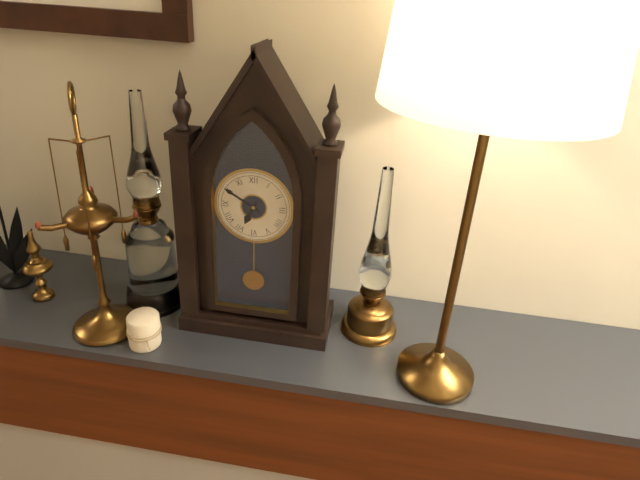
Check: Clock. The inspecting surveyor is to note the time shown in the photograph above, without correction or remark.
6:50
